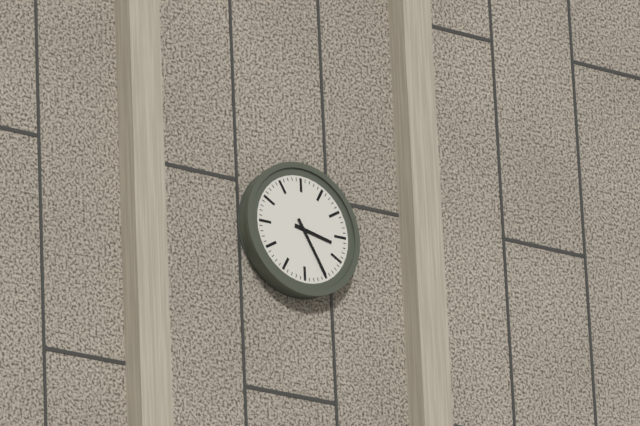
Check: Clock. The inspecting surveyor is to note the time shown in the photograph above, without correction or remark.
3:25
